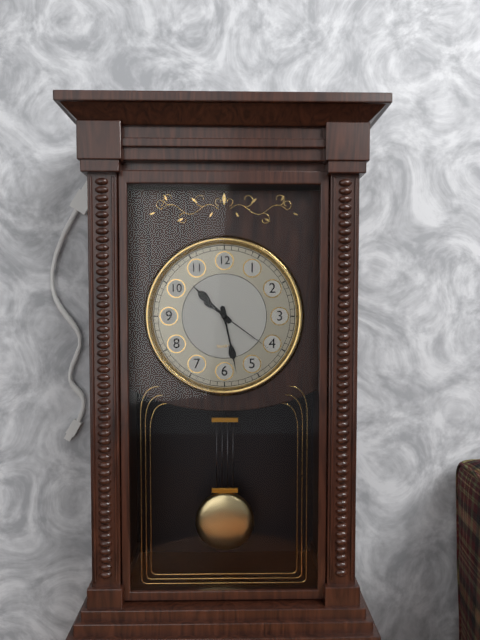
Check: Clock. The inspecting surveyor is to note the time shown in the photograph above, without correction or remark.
10:28:21
